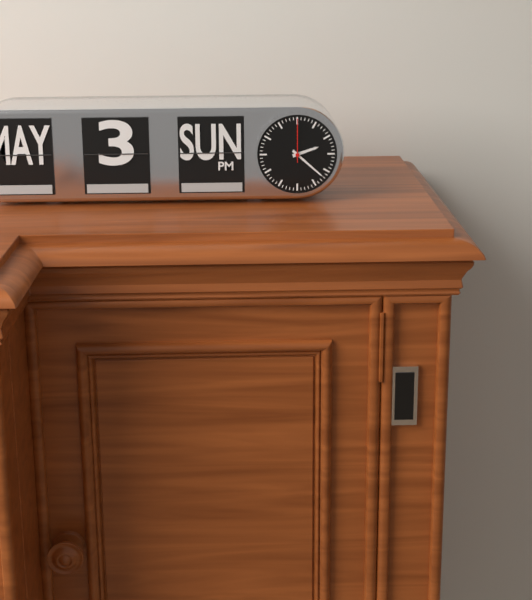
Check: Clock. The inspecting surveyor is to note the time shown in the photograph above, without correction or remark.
2:22
